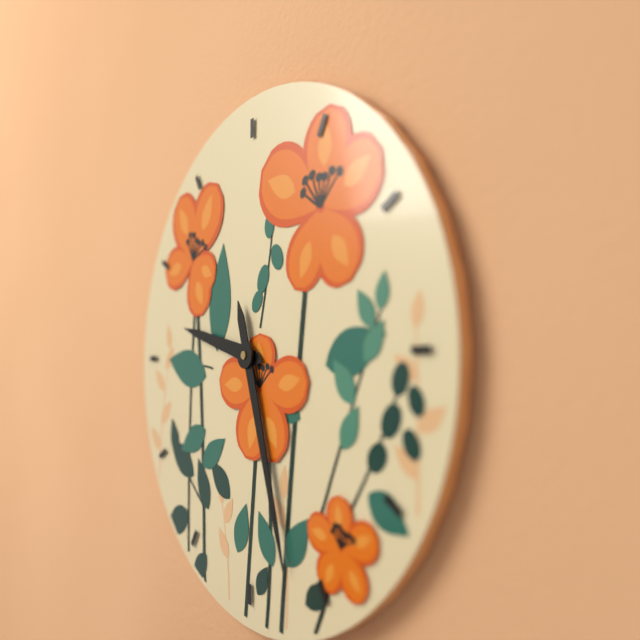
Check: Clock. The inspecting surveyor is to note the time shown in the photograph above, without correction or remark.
9:27
